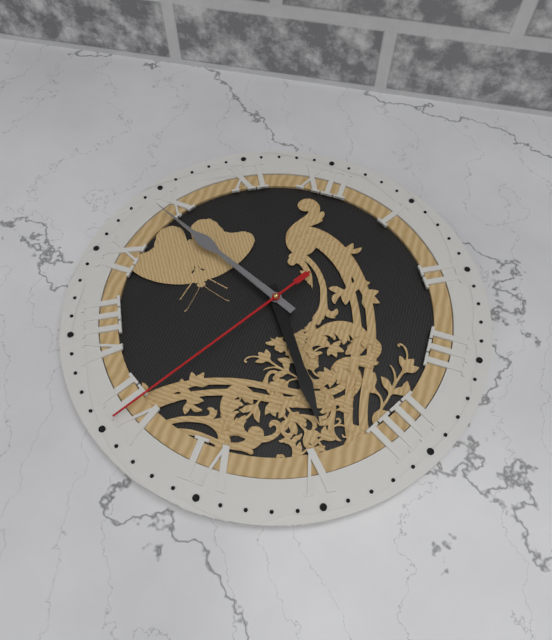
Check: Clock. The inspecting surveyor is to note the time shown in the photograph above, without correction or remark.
4:49:35
